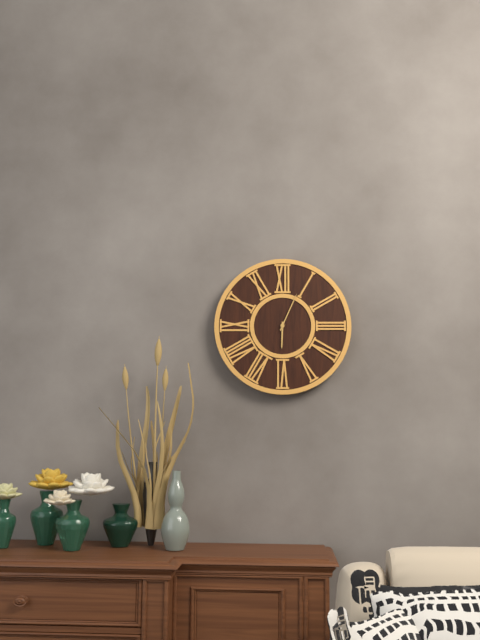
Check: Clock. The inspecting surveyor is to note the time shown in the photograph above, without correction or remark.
6:04
